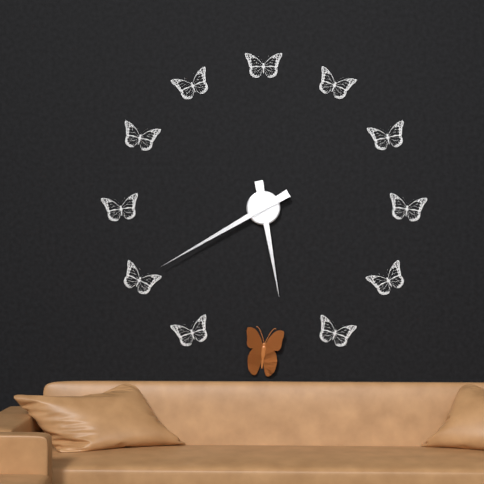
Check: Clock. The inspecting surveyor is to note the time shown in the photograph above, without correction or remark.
5:40
